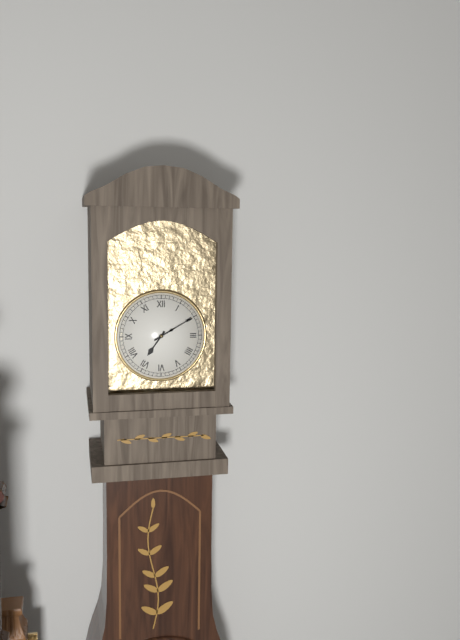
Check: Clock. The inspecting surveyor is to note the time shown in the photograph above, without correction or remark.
7:10
